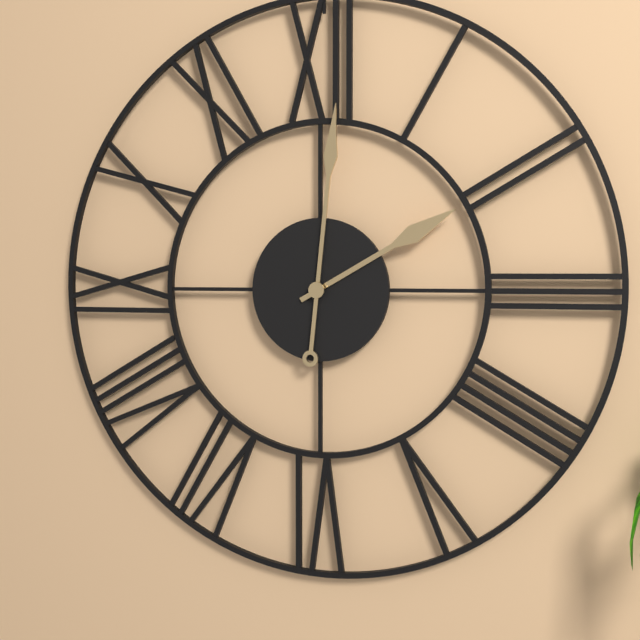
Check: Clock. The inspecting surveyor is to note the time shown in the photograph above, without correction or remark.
2:01
